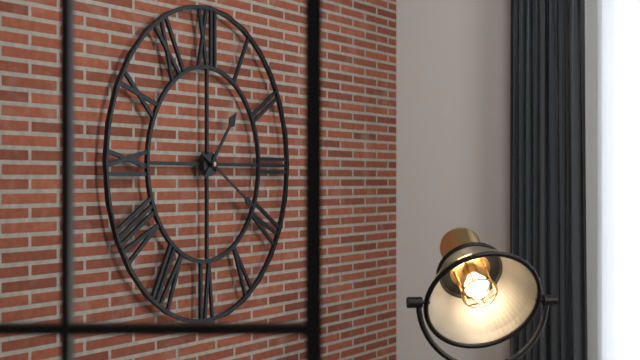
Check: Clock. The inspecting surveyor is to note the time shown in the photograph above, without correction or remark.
1:20
